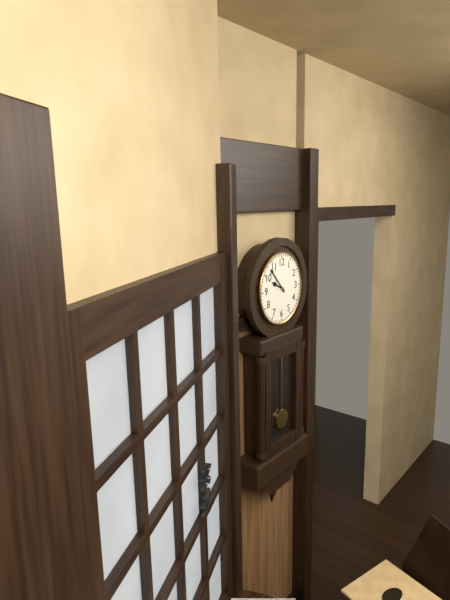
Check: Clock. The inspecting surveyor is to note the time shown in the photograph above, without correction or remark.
9:53
